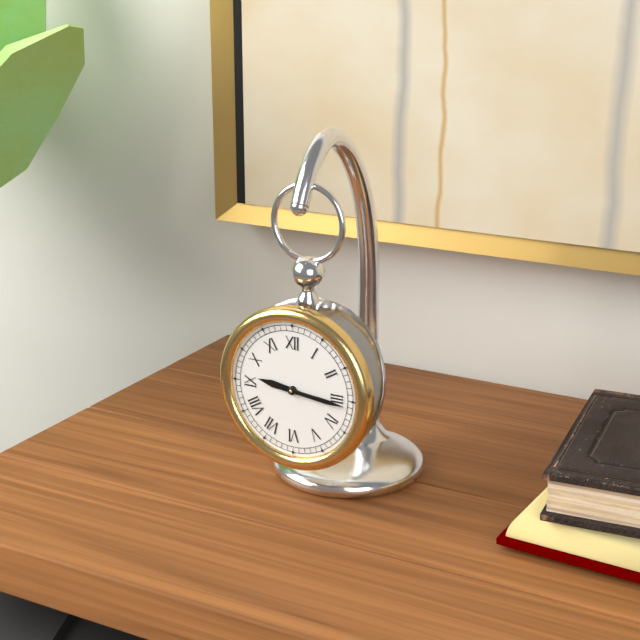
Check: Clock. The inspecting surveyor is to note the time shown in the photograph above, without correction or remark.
9:16
